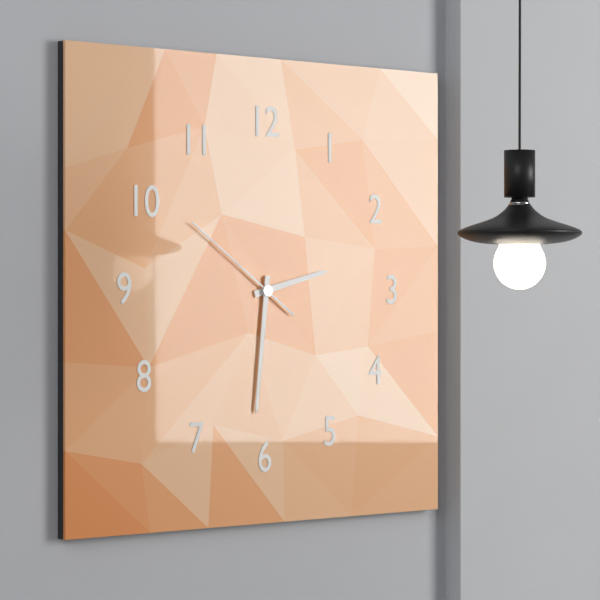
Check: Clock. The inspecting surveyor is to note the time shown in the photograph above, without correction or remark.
2:31:51
